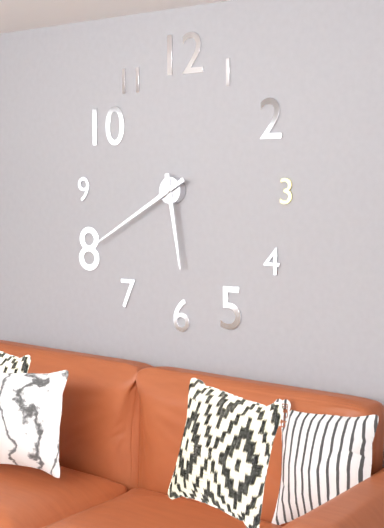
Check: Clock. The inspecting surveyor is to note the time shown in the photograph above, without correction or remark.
5:40
